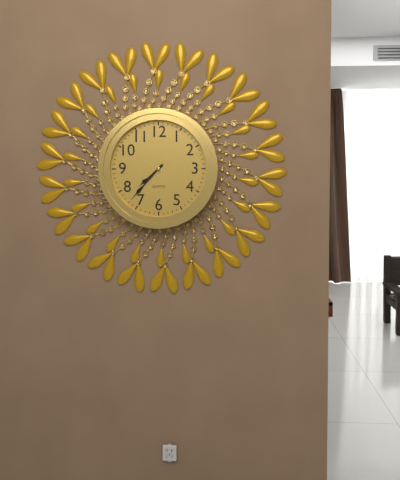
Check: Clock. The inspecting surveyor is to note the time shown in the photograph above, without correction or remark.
7:37
